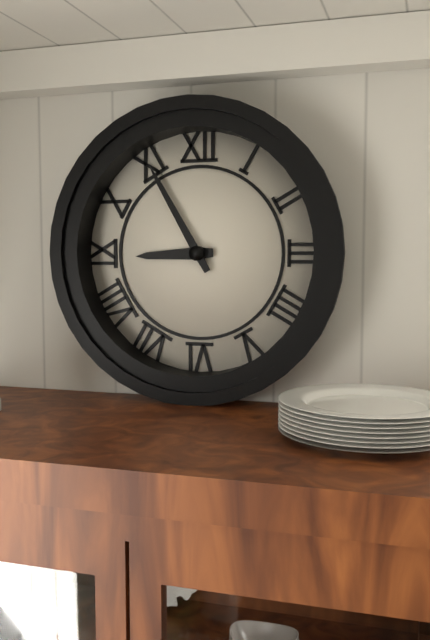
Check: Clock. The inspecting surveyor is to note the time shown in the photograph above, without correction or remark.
8:55
